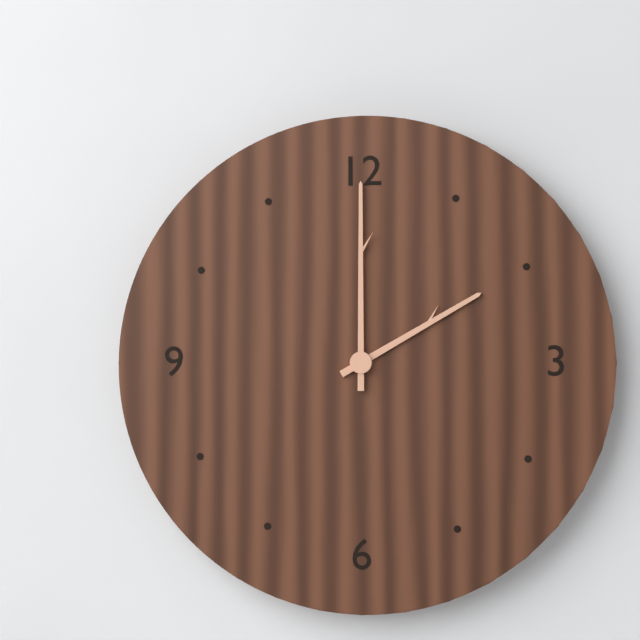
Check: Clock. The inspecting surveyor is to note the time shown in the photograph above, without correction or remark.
2:00
